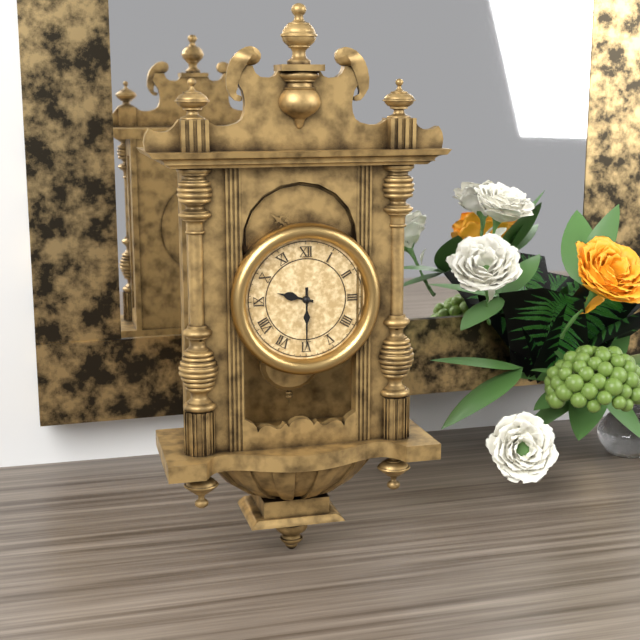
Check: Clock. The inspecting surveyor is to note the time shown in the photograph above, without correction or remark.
9:30
